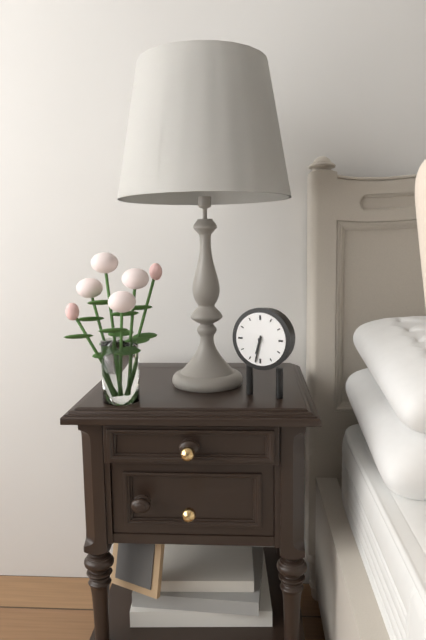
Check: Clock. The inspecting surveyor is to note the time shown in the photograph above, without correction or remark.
6:32
